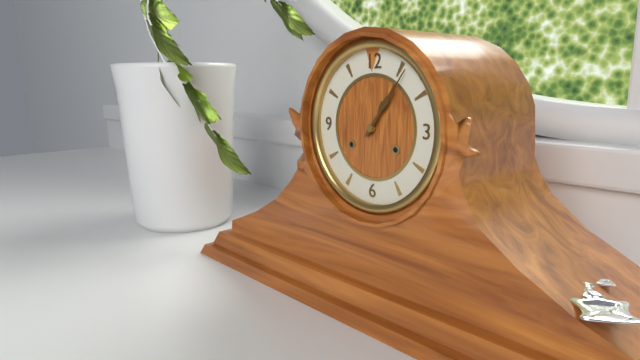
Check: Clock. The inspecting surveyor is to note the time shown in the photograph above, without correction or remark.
1:06
